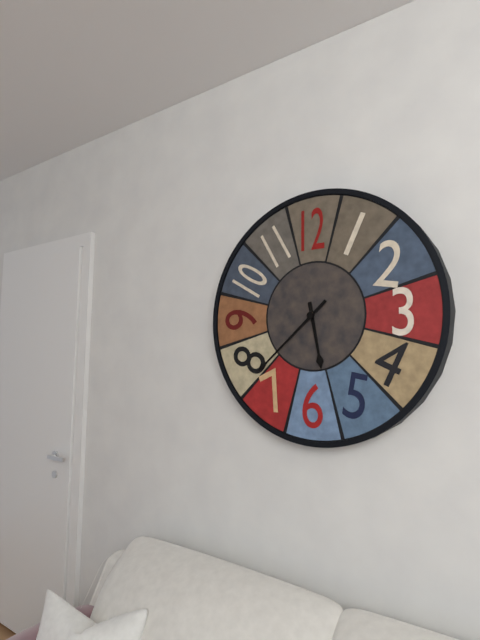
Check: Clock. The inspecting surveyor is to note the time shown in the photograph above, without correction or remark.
5:38
